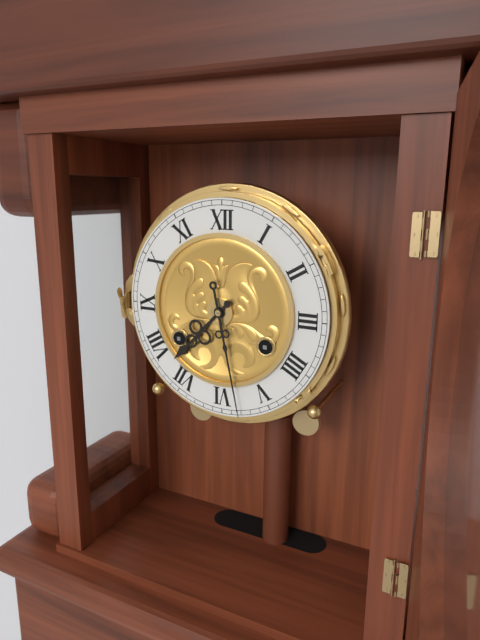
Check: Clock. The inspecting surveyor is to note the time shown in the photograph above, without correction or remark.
7:28
